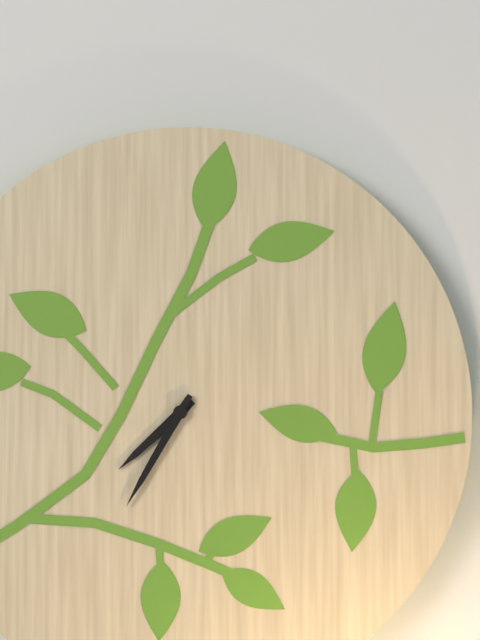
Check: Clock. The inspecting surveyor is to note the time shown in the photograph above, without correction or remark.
7:35
